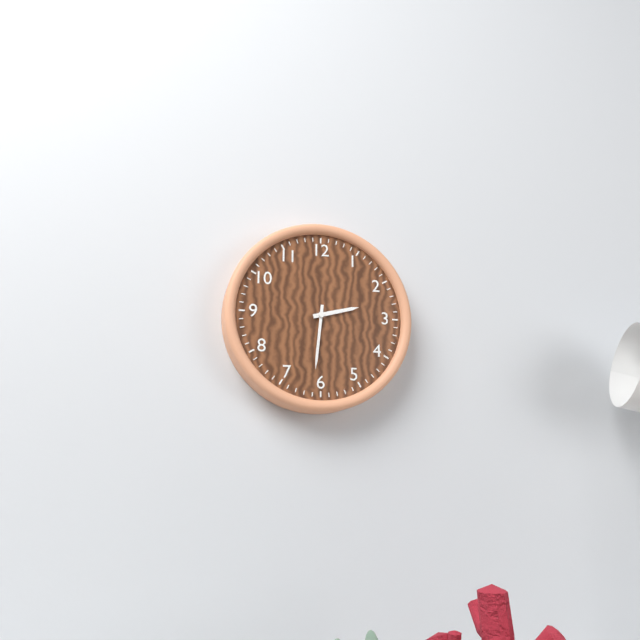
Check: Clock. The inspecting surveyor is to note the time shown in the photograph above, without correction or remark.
2:31
